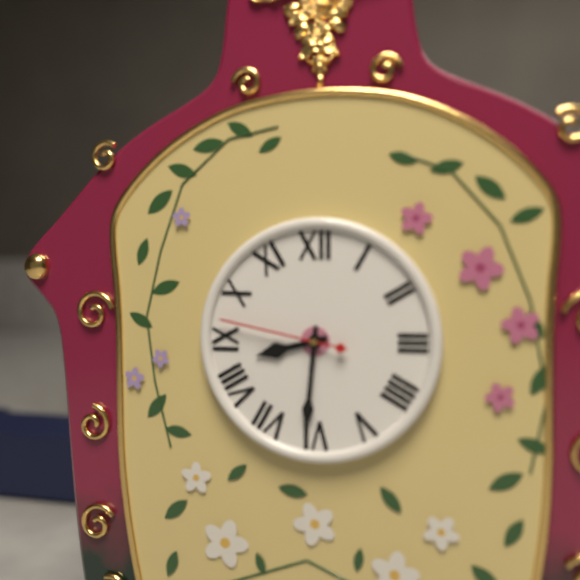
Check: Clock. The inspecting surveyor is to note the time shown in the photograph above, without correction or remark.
8:31:47
